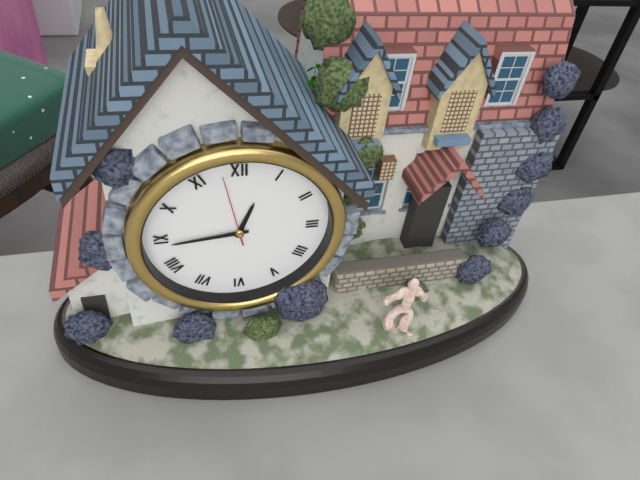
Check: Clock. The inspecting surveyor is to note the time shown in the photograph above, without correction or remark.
12:44:58
